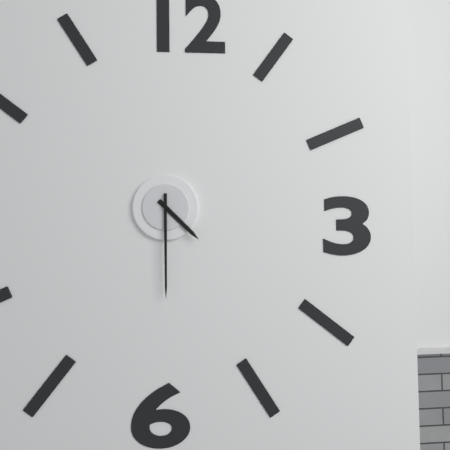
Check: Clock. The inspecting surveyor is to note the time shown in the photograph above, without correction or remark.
4:30
